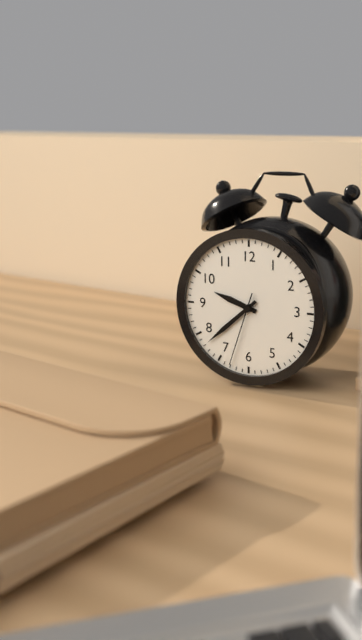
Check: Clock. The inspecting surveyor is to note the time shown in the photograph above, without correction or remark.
9:38:33
